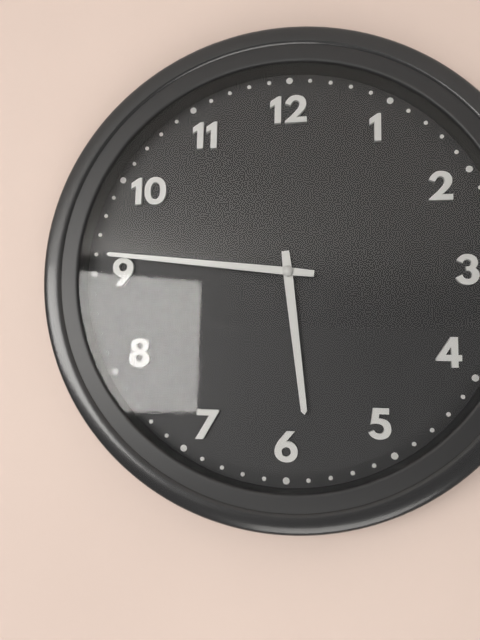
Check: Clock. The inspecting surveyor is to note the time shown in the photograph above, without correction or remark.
5:46
